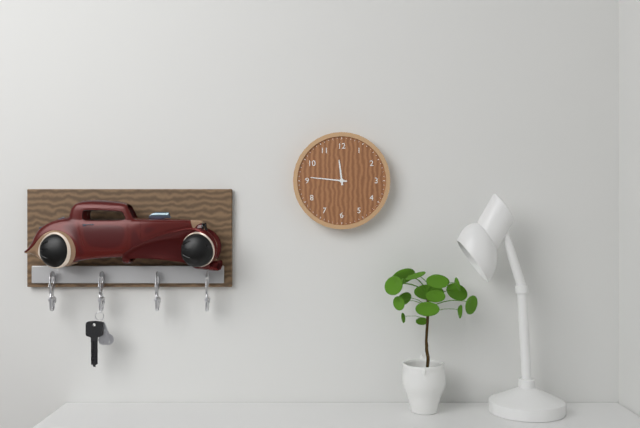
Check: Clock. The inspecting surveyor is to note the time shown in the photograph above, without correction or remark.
11:46
